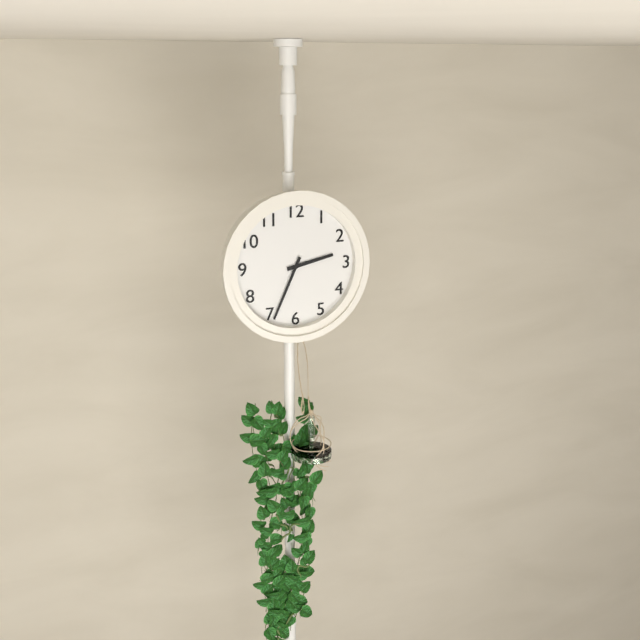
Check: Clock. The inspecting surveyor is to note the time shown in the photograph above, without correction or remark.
2:34
